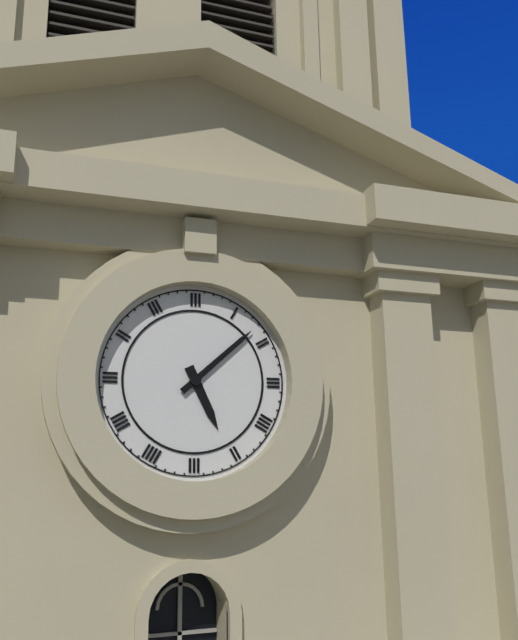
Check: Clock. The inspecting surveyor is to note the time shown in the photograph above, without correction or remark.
5:08
